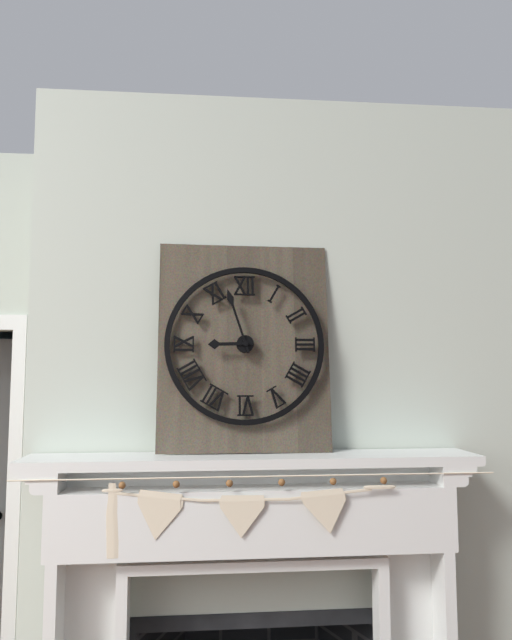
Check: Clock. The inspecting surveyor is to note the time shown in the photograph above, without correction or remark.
8:57
